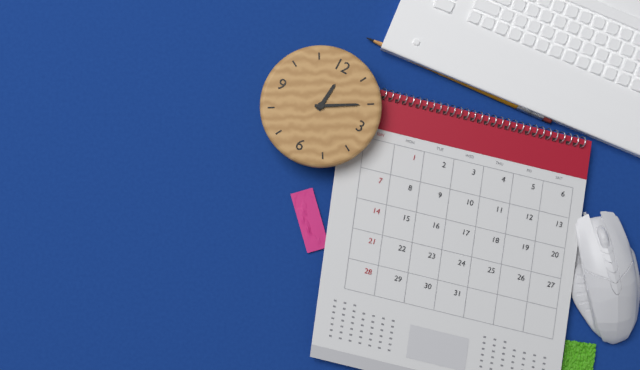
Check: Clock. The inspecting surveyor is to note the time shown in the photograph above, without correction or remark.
12:10
